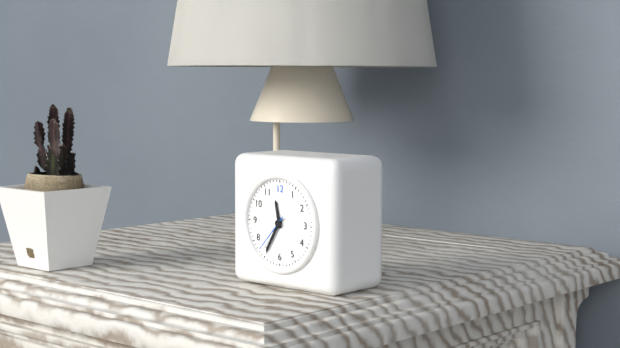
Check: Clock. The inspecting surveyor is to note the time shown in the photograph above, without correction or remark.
11:35
